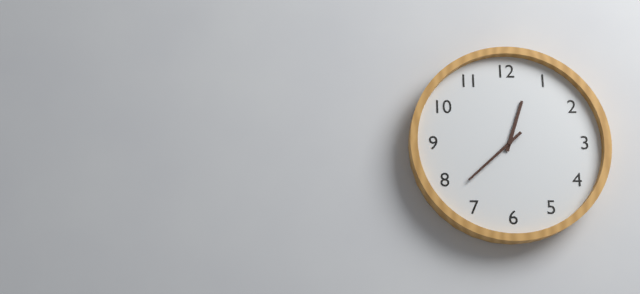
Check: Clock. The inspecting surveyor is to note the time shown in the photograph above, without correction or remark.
12:38
